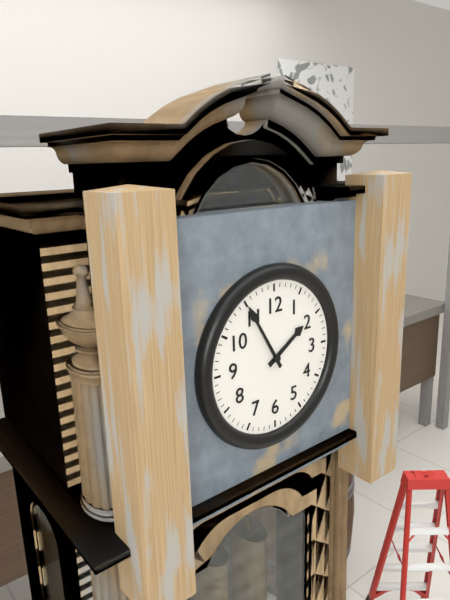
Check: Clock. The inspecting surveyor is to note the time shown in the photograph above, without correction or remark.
1:55
